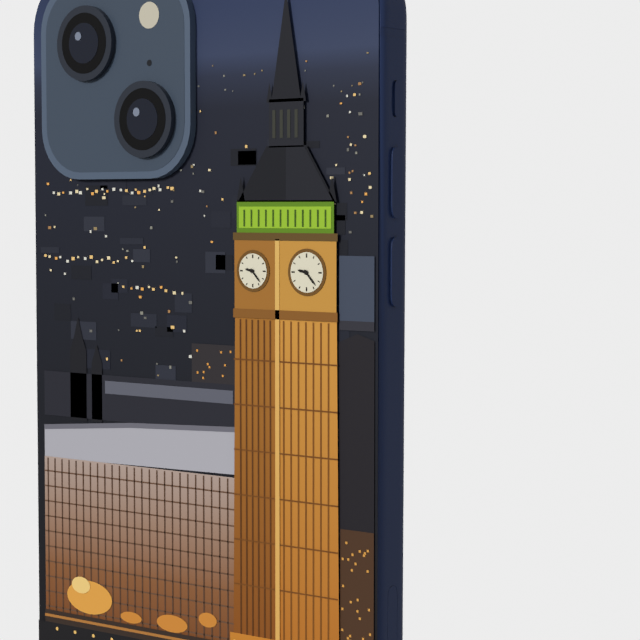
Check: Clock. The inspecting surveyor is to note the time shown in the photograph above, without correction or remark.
9:23
